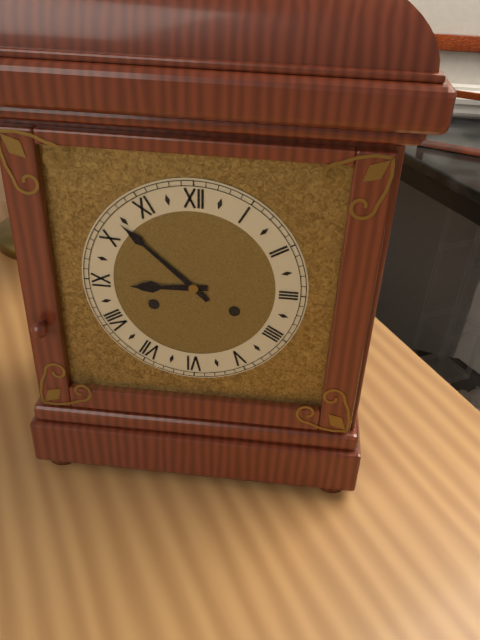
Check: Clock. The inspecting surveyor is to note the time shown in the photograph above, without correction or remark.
8:52
